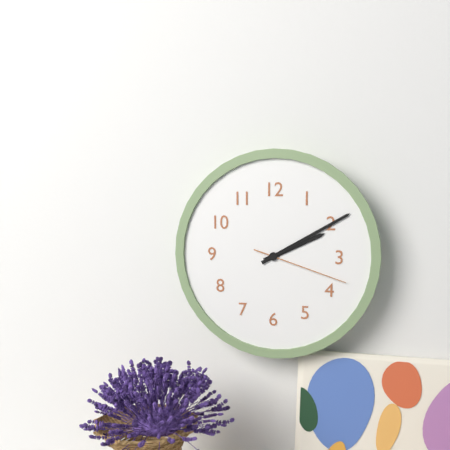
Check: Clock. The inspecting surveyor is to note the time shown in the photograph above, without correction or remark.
2:10:18
